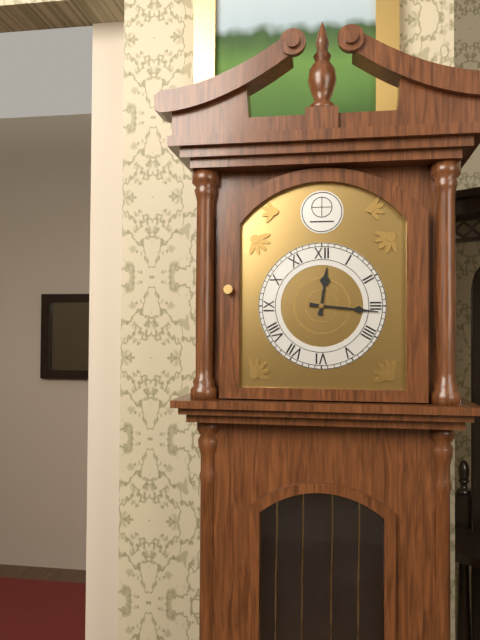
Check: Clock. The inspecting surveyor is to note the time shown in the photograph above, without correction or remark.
12:16
